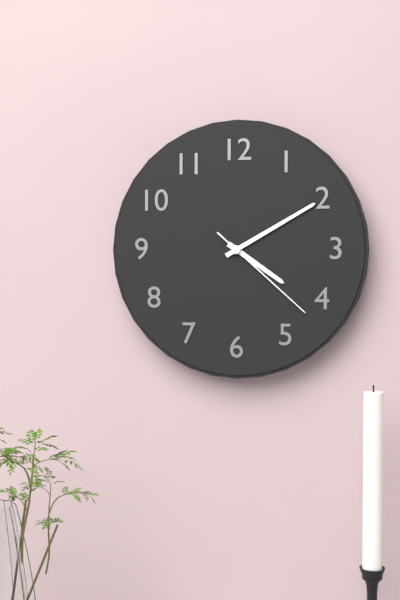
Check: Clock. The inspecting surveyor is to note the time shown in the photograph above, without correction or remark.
4:10:22
